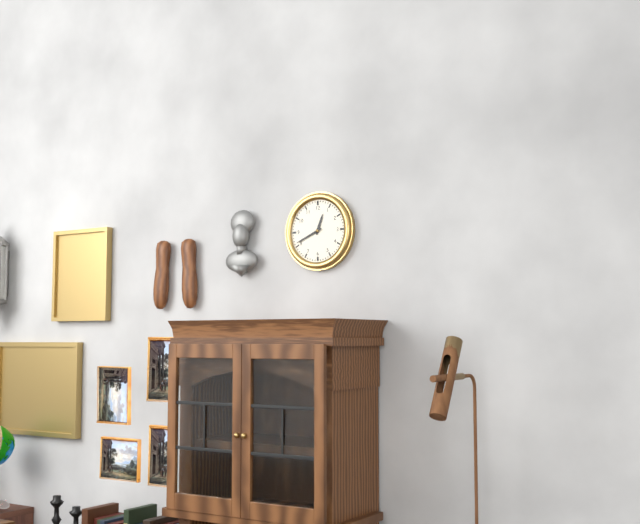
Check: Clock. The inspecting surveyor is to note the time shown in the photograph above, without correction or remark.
12:41
